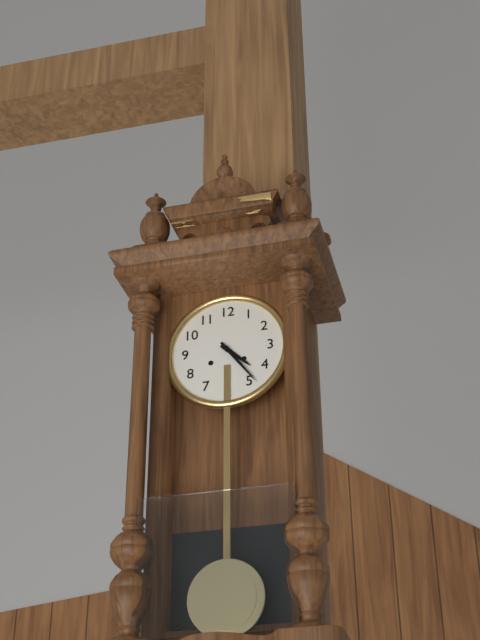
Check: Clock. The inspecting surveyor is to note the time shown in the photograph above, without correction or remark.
4:24
